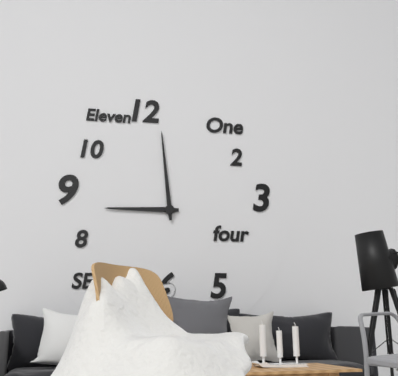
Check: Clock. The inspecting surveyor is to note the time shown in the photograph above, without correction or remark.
8:59
